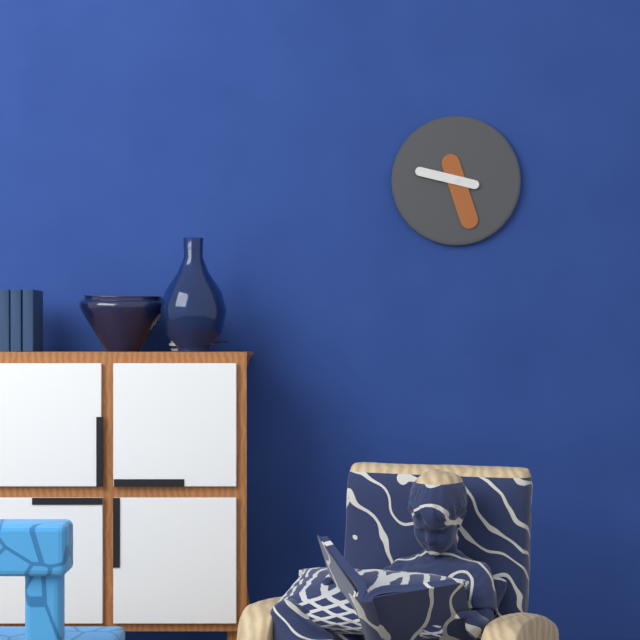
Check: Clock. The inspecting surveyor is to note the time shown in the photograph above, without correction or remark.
9:27
